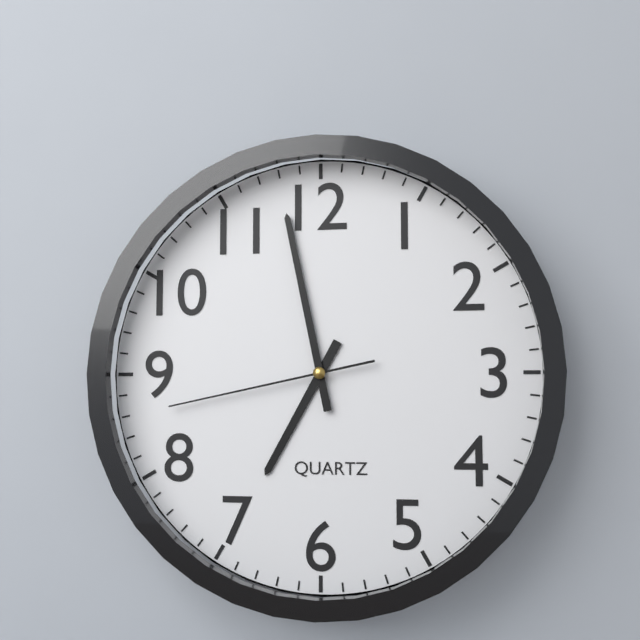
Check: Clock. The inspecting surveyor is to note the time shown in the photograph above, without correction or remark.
6:58:43
